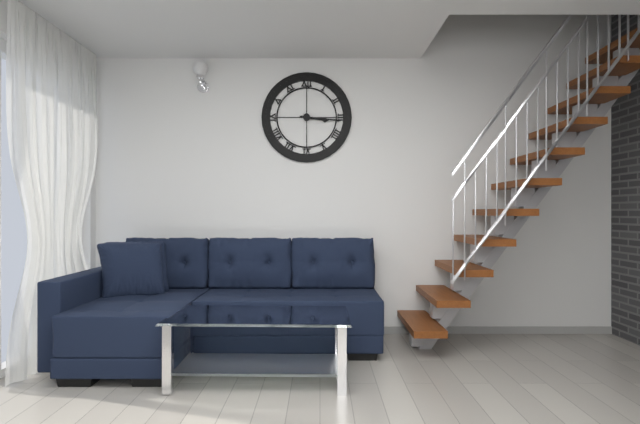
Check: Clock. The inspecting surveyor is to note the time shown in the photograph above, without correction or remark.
3:16
